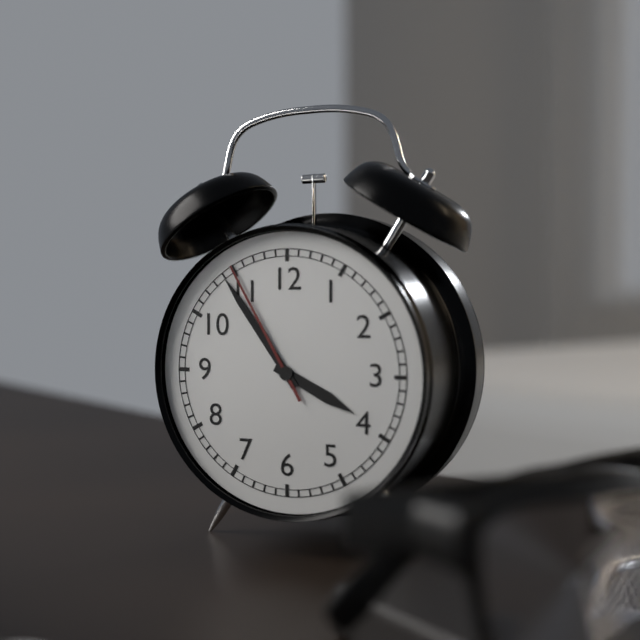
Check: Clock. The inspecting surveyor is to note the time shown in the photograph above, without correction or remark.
3:54:55
